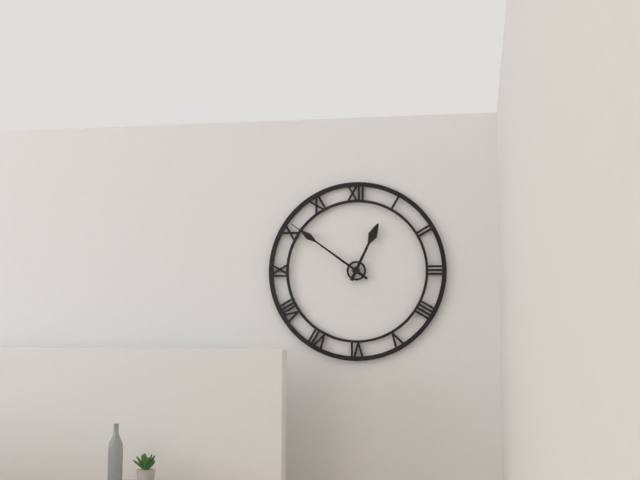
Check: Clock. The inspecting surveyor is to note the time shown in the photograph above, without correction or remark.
12:51
